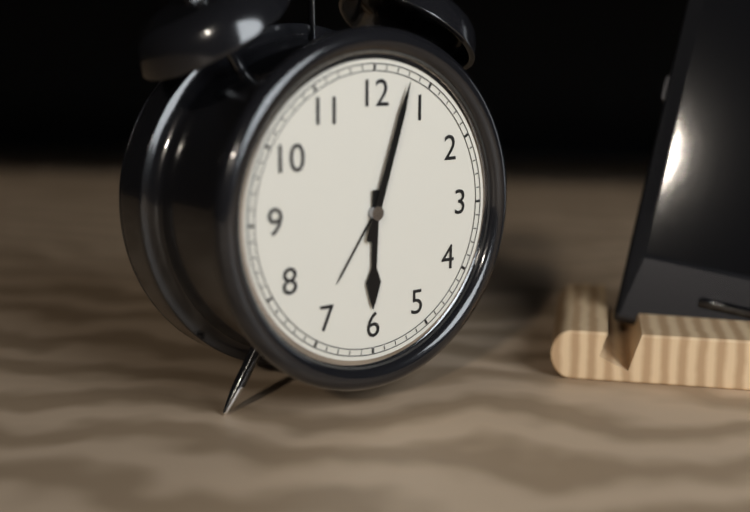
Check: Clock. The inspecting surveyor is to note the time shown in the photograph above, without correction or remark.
6:03
